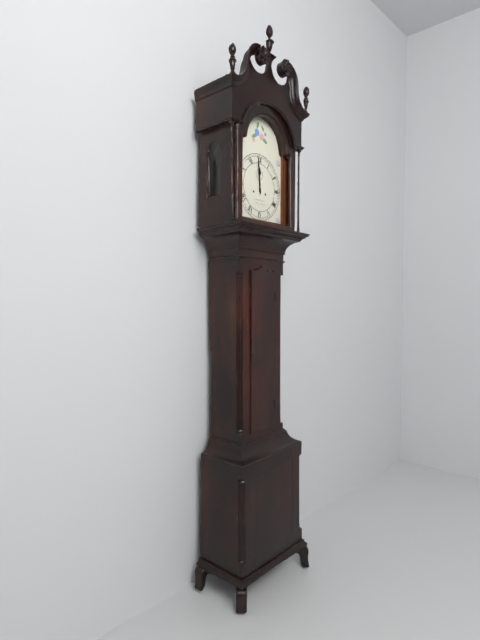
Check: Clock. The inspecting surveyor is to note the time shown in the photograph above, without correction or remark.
11:59
